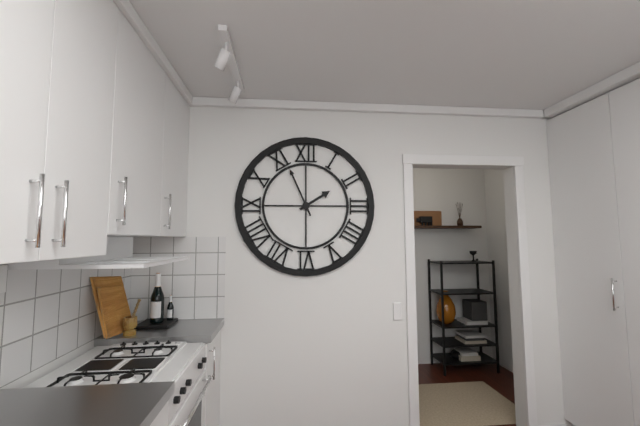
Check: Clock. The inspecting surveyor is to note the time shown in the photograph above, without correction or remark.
1:56
